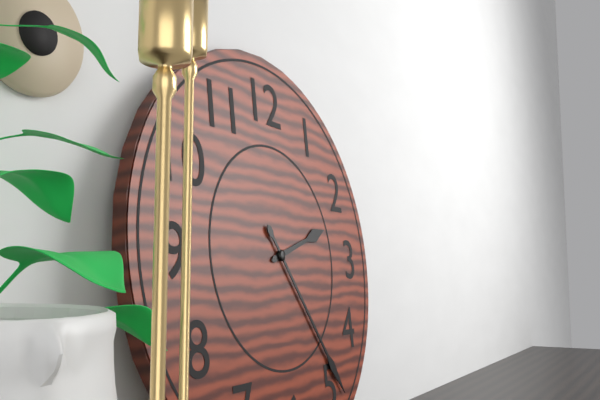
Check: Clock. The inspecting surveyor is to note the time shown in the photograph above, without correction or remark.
2:24
